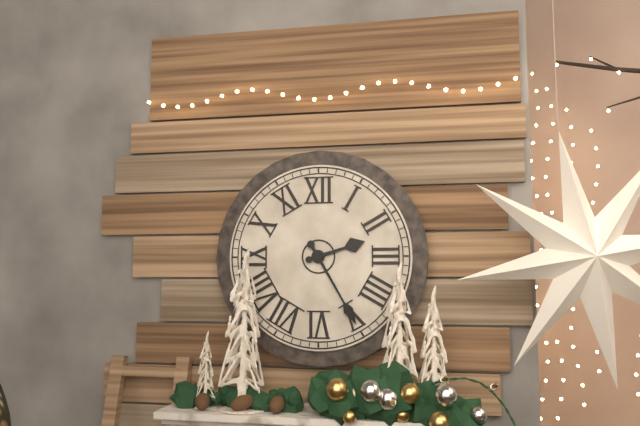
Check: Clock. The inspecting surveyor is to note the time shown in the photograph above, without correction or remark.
2:25
